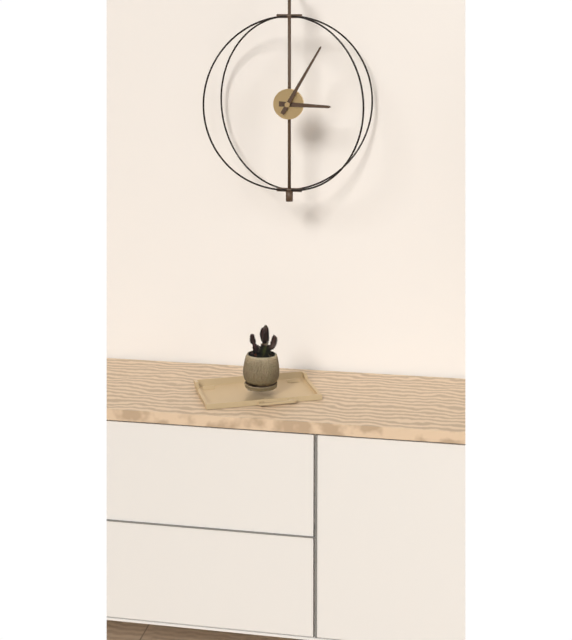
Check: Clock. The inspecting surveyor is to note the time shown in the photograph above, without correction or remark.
3:05
